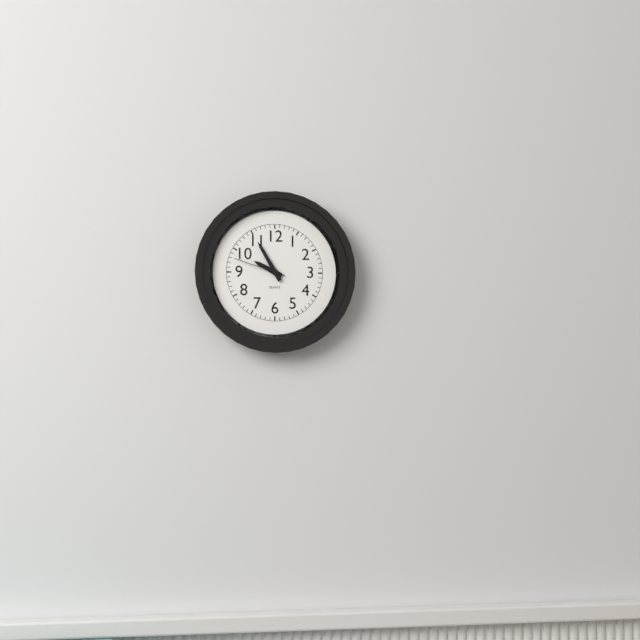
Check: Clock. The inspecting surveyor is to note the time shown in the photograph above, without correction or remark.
9:55:48
